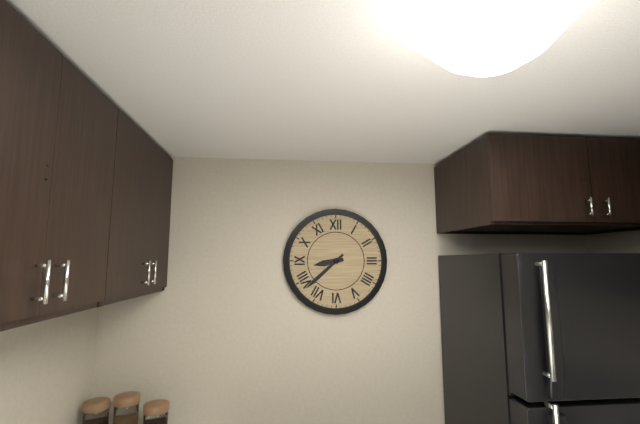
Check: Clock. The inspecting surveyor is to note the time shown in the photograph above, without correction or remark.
8:38
